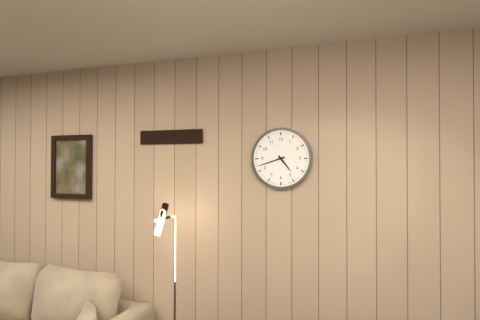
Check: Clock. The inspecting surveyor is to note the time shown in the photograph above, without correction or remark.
4:42
